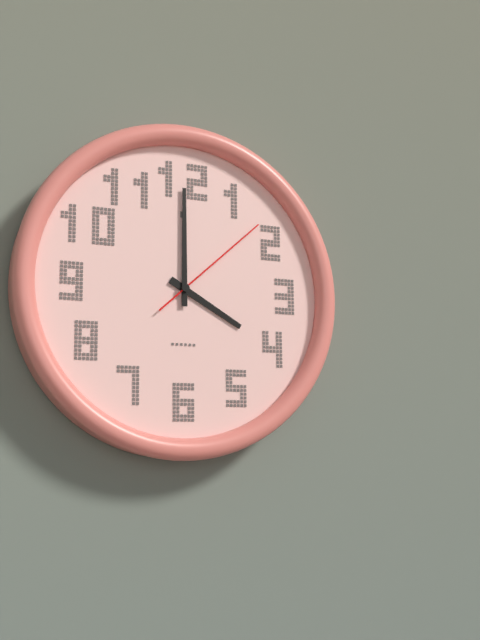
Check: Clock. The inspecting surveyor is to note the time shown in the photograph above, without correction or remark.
4:00:08
